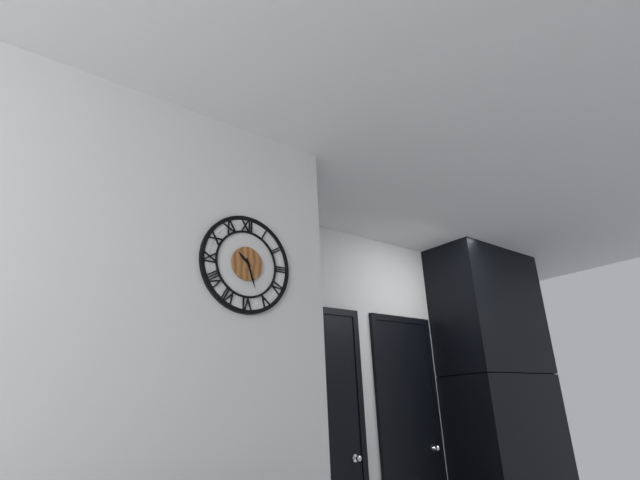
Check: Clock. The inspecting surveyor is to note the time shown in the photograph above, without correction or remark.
10:27
